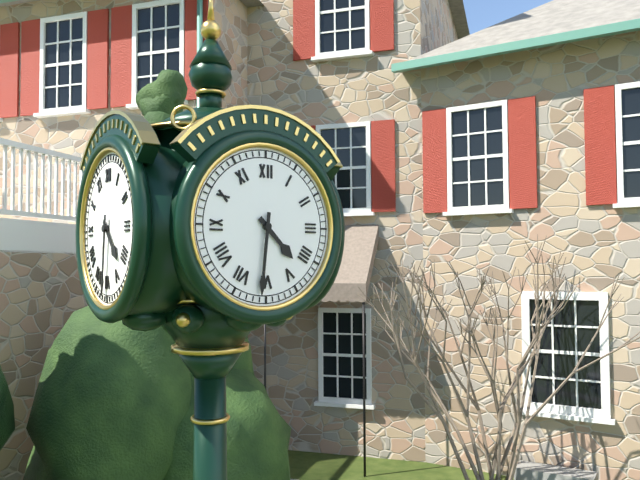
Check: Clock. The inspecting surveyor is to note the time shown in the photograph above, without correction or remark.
4:31
